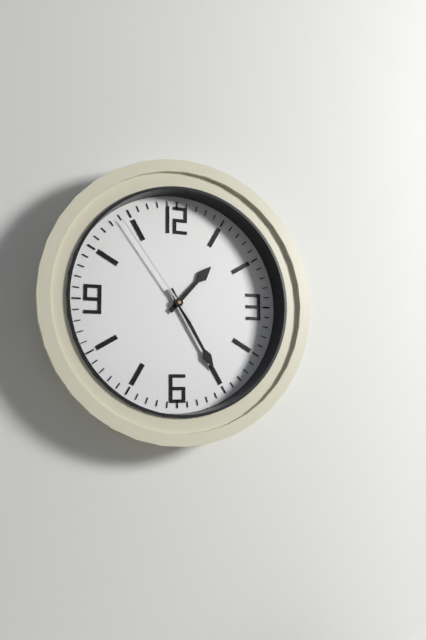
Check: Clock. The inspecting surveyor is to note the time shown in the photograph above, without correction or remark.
1:25:54
